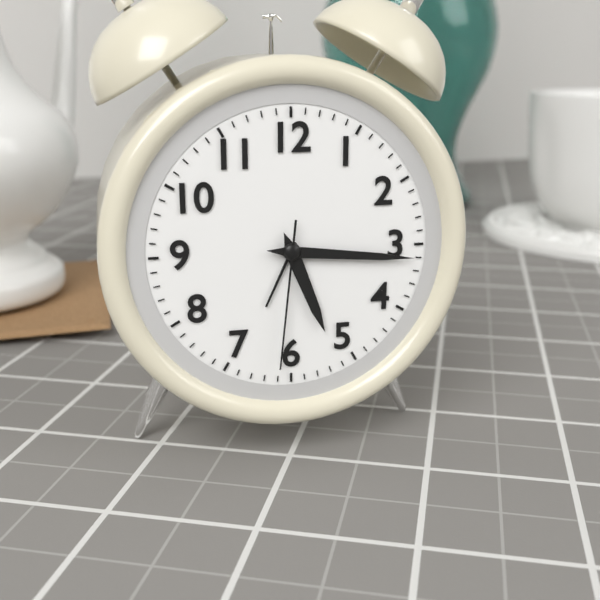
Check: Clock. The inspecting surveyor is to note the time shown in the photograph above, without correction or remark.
5:16:31
